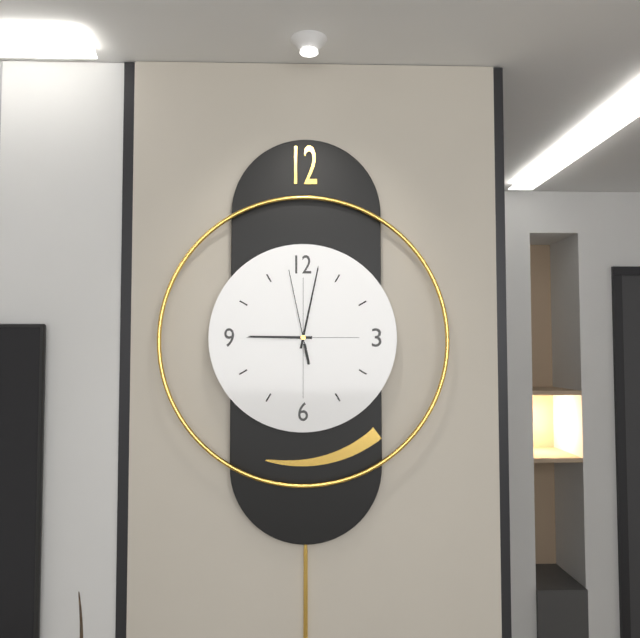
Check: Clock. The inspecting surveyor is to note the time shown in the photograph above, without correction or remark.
9:02:58
